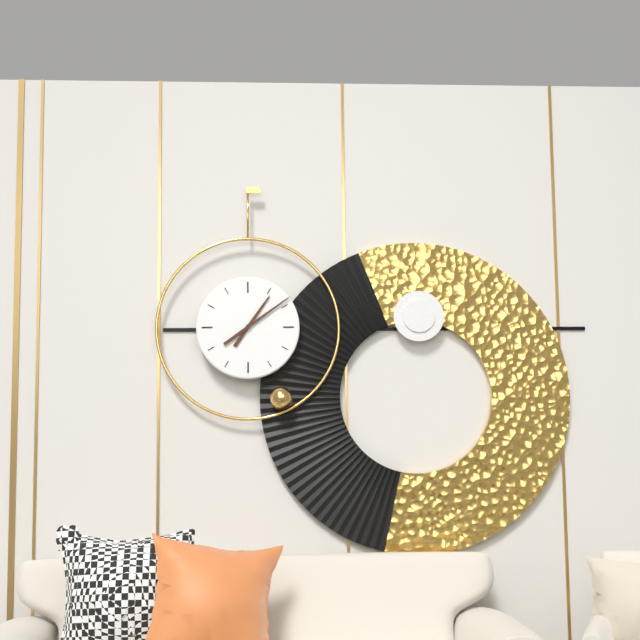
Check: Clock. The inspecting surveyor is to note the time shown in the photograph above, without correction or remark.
1:09
